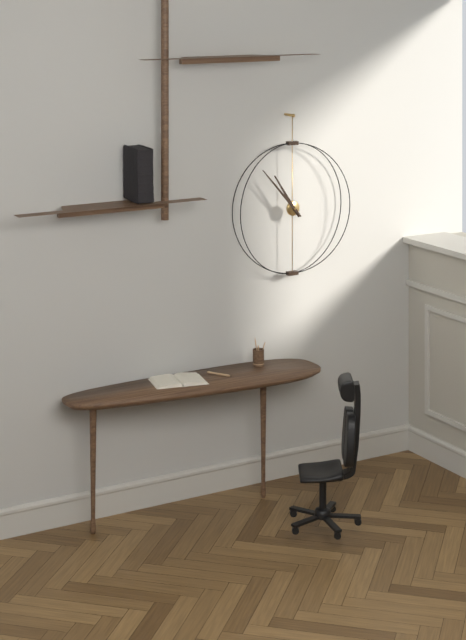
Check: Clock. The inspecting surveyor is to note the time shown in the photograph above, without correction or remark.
10:53
